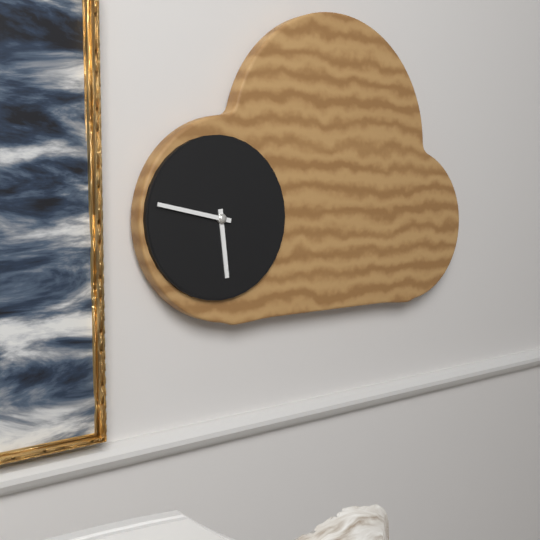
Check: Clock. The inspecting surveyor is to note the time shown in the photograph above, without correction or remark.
5:47
